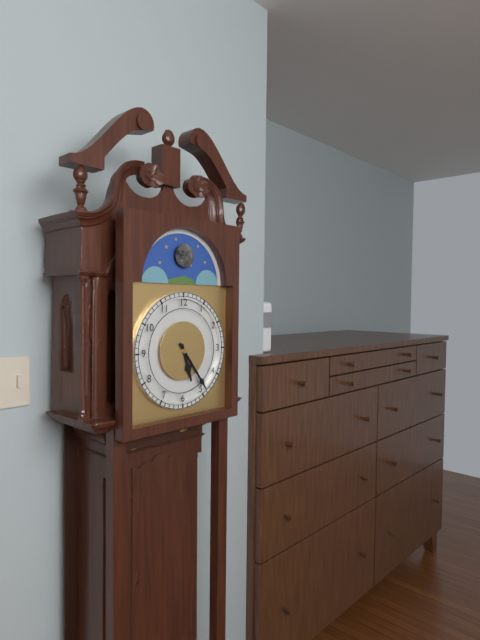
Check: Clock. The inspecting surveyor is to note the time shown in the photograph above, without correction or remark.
5:24
